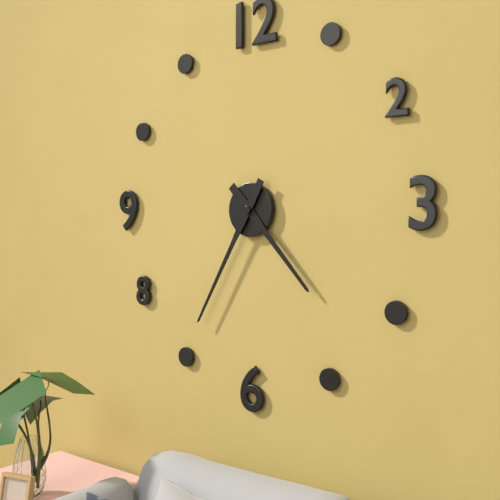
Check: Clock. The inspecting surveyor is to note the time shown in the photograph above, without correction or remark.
4:35
